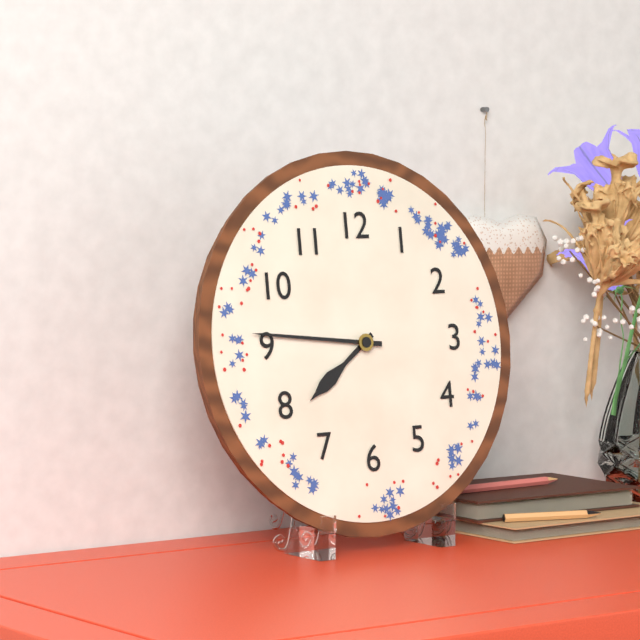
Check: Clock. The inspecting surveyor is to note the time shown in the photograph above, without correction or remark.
7:46
